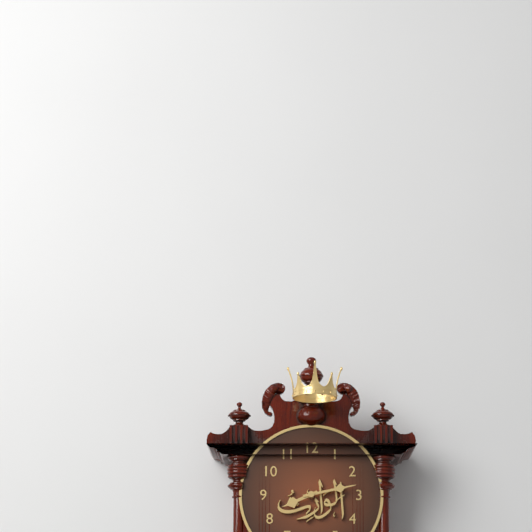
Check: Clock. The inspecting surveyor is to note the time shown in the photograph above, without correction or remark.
8:13
